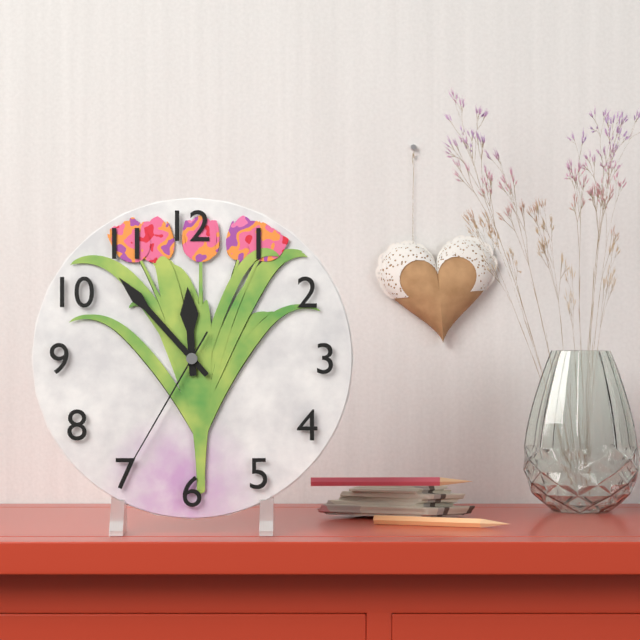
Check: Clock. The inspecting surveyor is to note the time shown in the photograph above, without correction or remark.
11:53:35
